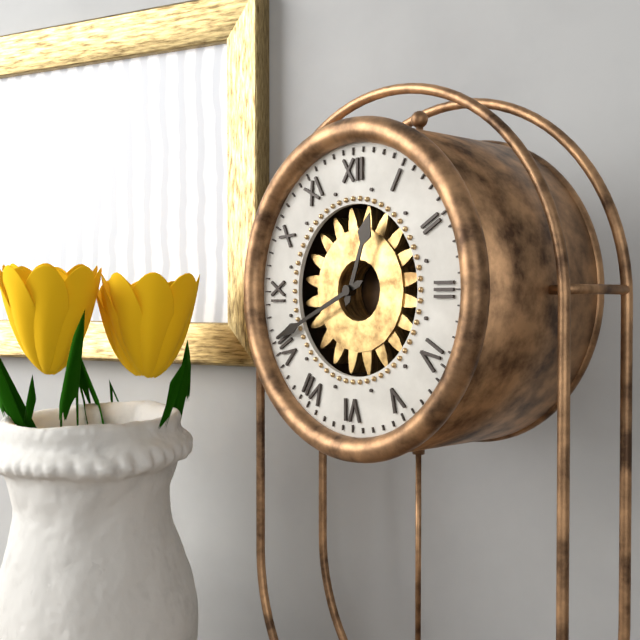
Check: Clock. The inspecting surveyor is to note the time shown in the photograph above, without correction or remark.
12:41
